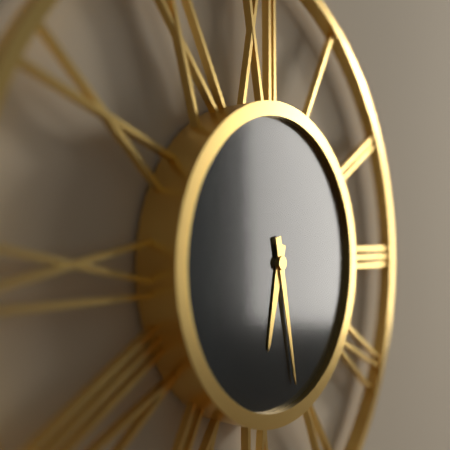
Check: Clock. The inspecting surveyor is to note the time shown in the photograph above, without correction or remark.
6:28
